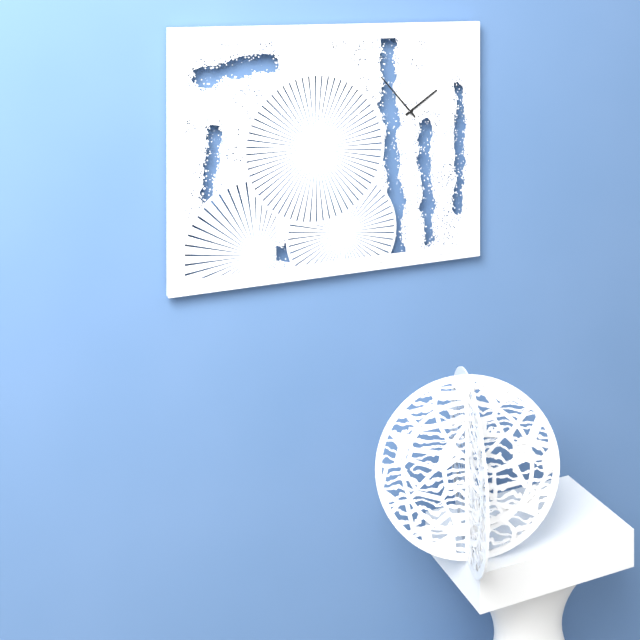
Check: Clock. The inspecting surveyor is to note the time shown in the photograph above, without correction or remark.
1:53
